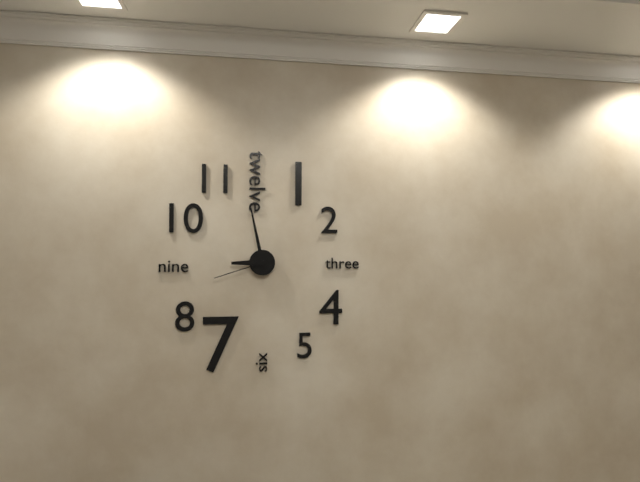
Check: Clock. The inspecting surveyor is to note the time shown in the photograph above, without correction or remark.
8:58:42
